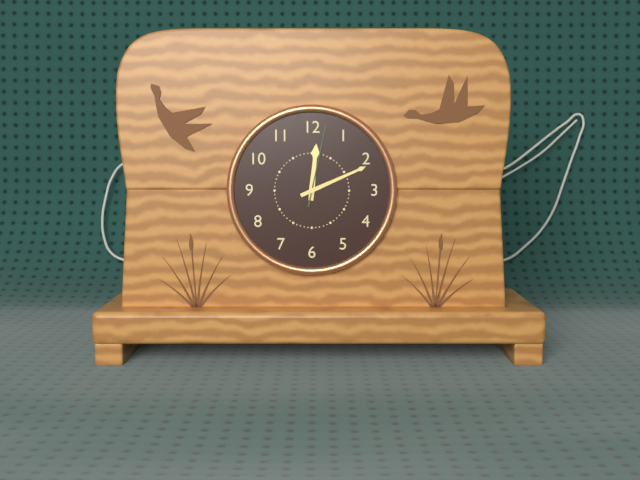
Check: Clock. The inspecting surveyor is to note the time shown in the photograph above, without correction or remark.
12:11:02
